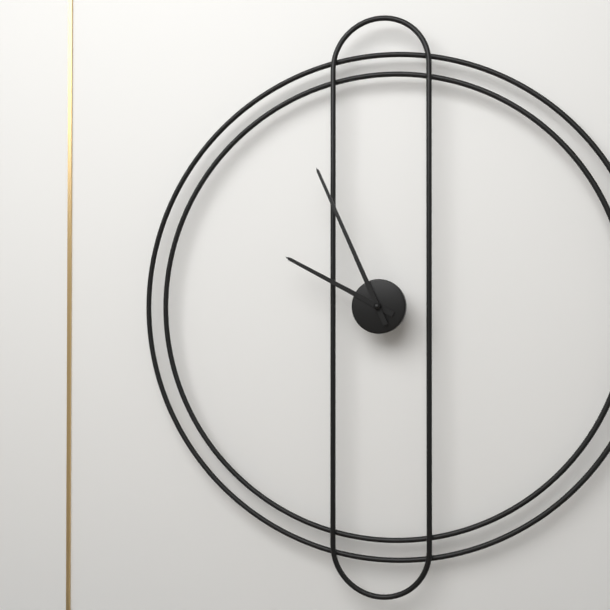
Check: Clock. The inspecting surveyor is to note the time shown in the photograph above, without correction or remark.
9:56
